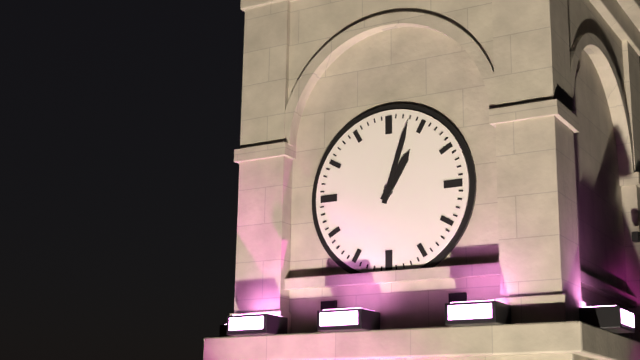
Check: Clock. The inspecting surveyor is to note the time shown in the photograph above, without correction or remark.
1:03
